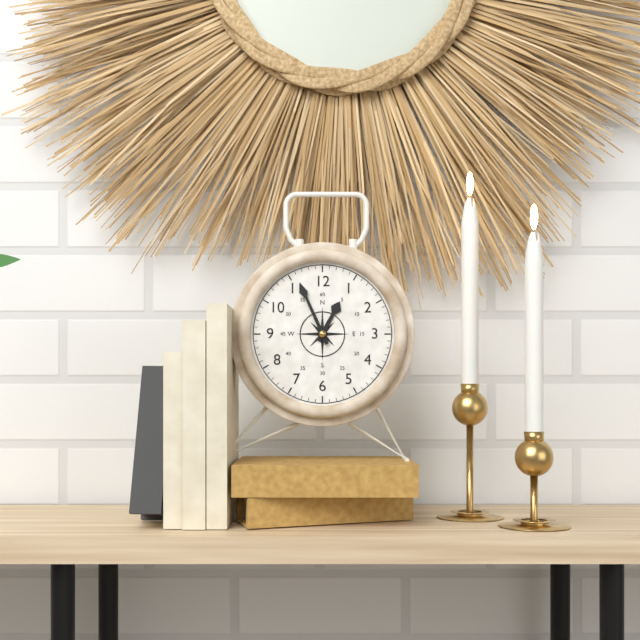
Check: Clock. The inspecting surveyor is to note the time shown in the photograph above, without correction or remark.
12:56
